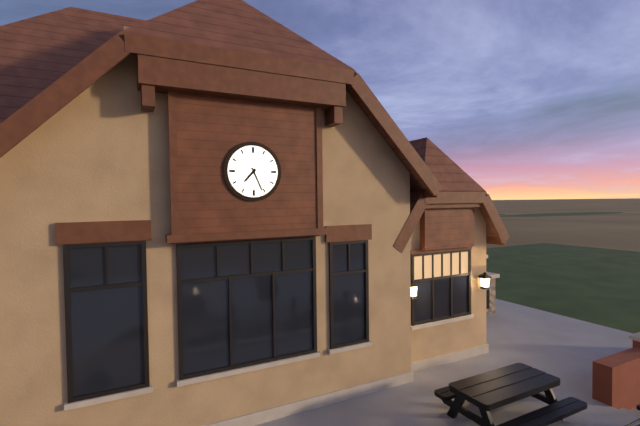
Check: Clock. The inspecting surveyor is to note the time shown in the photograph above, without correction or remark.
7:26
